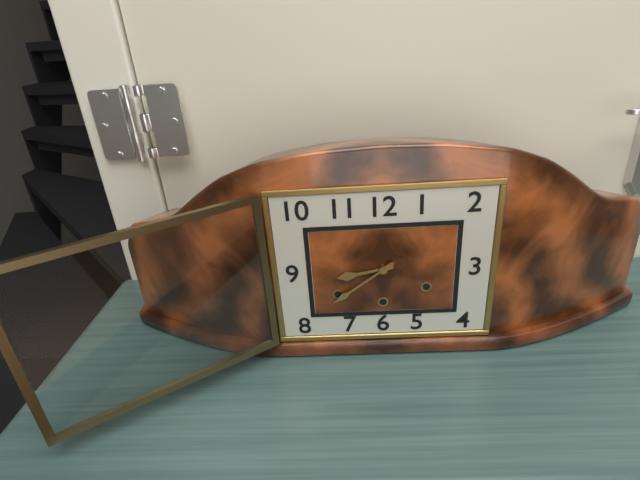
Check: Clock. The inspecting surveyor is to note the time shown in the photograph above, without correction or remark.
8:39
